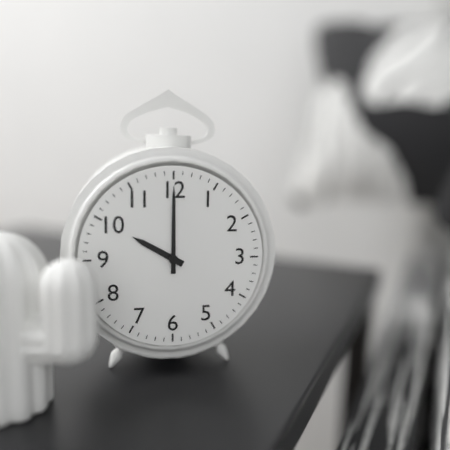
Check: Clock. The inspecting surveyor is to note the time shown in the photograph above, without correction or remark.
10:00
